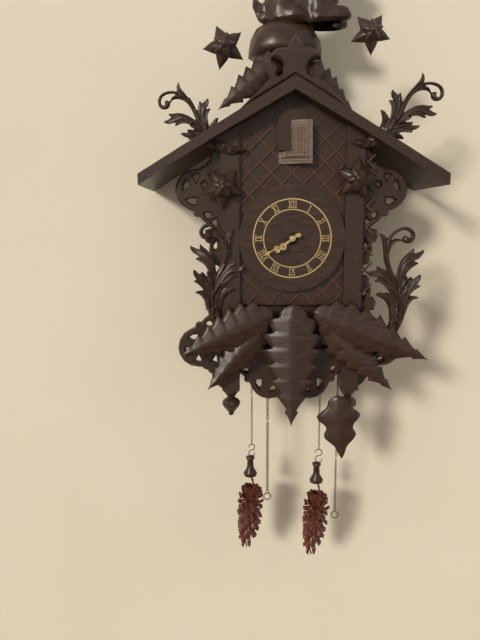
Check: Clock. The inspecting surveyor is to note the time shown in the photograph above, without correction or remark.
7:40
